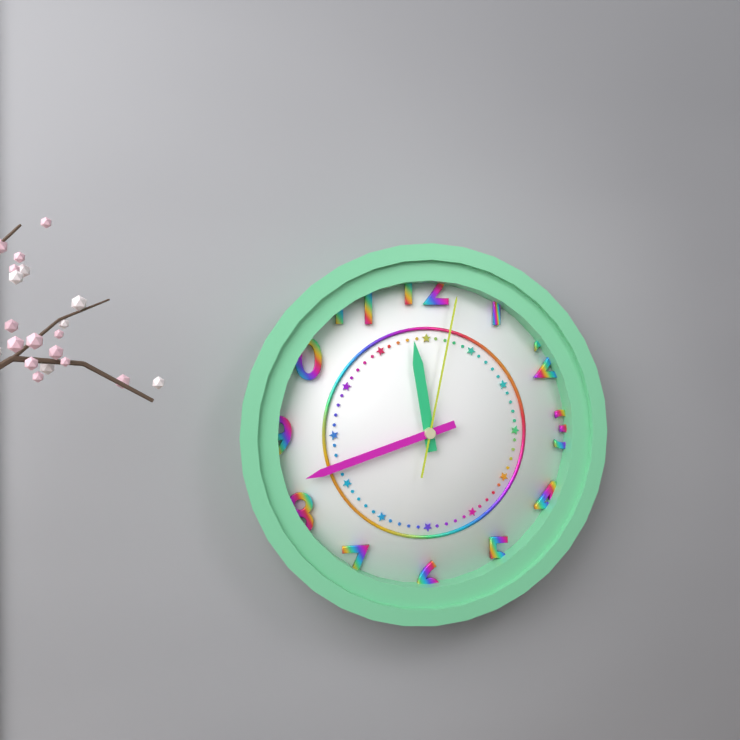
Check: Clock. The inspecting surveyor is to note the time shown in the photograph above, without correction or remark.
11:42:02
